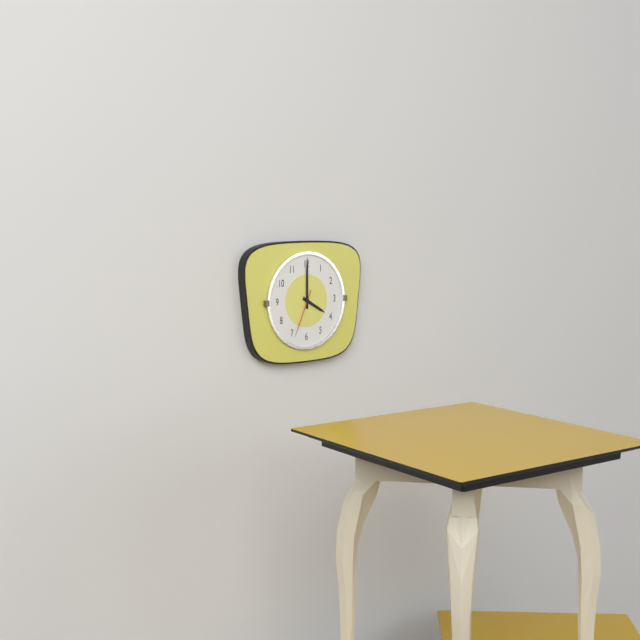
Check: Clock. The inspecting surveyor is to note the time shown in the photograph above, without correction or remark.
4:00
